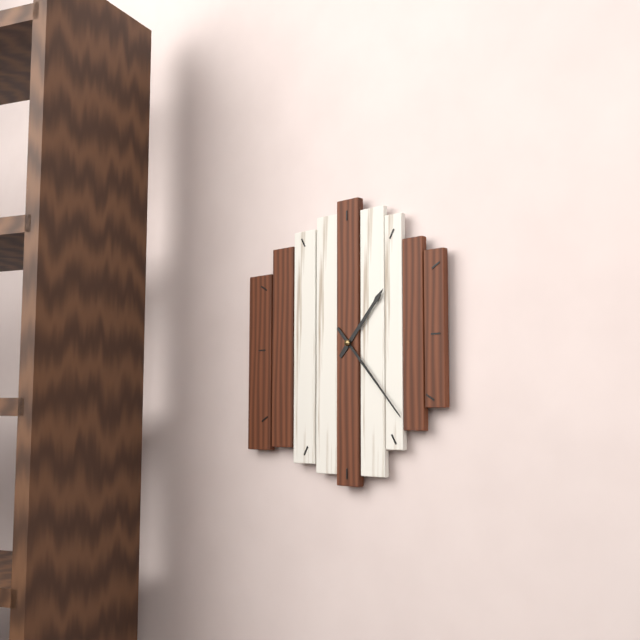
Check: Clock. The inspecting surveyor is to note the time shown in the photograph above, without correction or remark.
1:23
